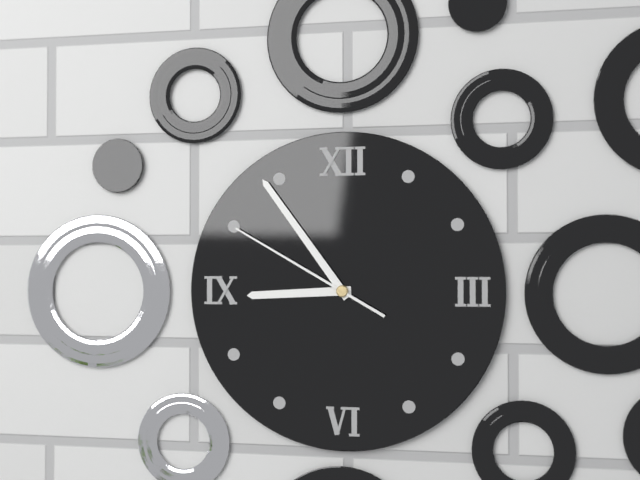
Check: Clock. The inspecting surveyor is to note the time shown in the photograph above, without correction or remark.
8:54:50
